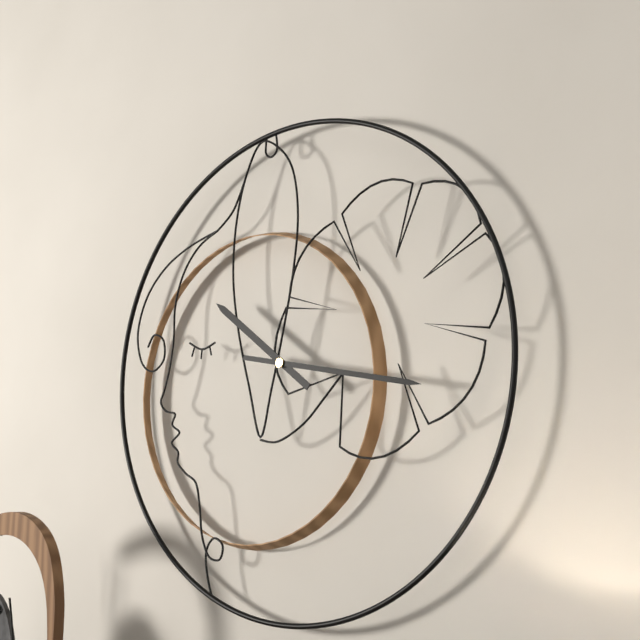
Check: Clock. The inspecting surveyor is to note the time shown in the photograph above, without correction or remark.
10:17
